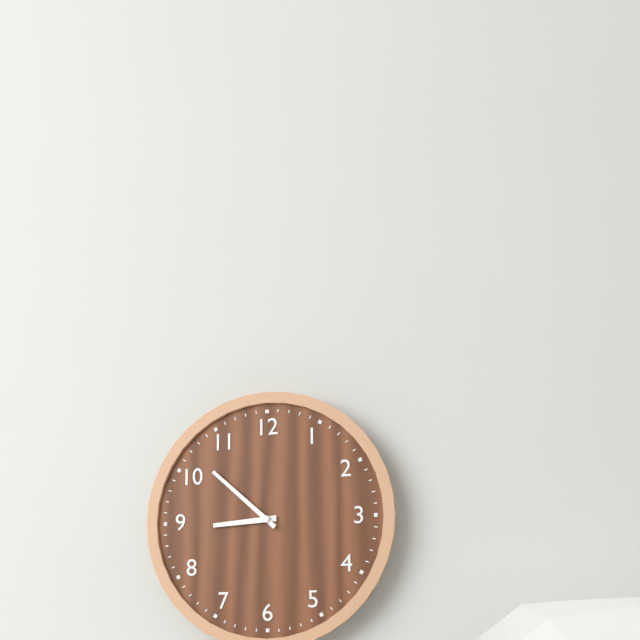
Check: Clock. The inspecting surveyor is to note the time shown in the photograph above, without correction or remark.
8:52
